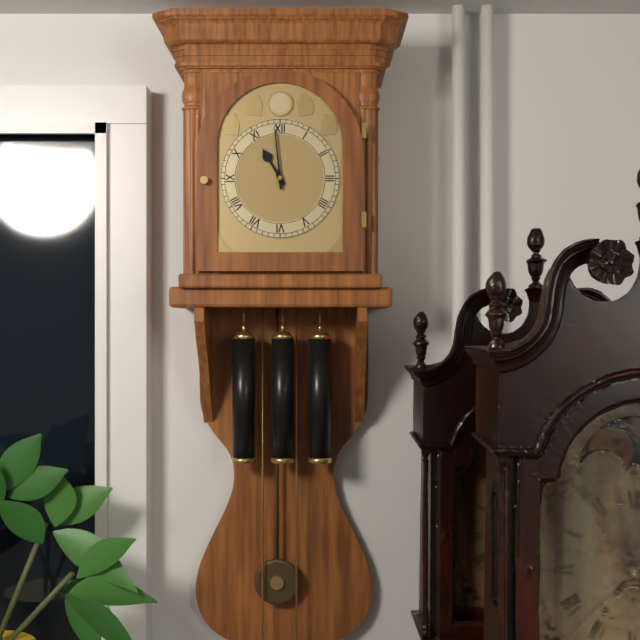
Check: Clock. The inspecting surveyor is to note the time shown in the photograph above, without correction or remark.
10:59
